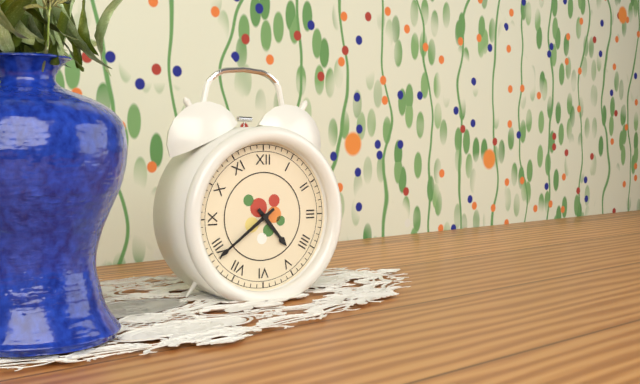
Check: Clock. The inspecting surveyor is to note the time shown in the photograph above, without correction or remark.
4:39
